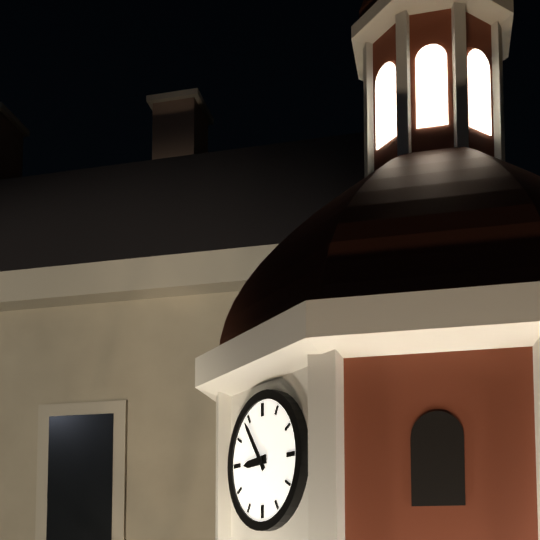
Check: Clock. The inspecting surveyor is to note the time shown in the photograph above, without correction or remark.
8:54
